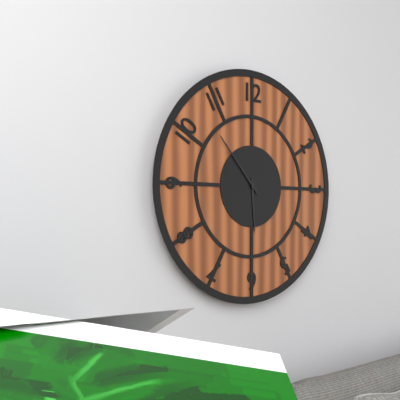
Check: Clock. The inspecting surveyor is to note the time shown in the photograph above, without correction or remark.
5:53
